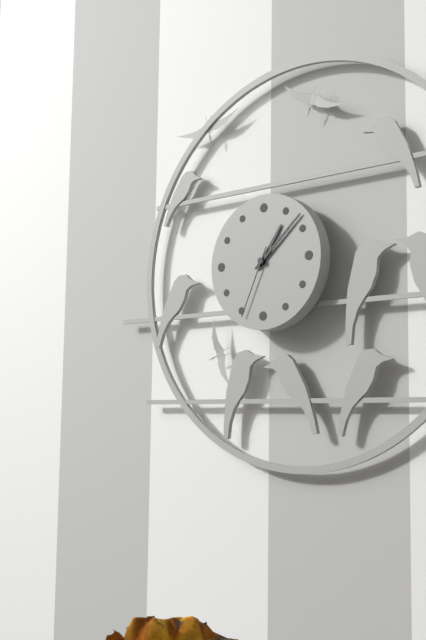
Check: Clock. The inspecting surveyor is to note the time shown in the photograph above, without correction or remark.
1:08:34
